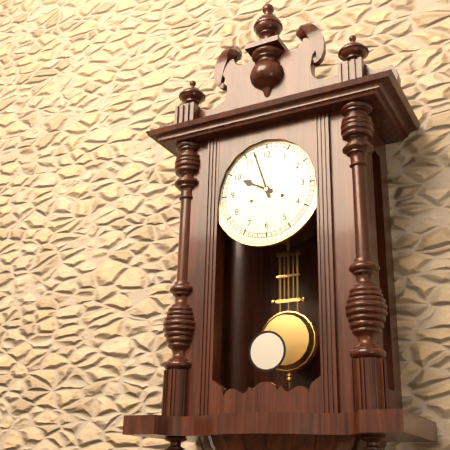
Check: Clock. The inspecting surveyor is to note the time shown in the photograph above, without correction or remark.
9:57
